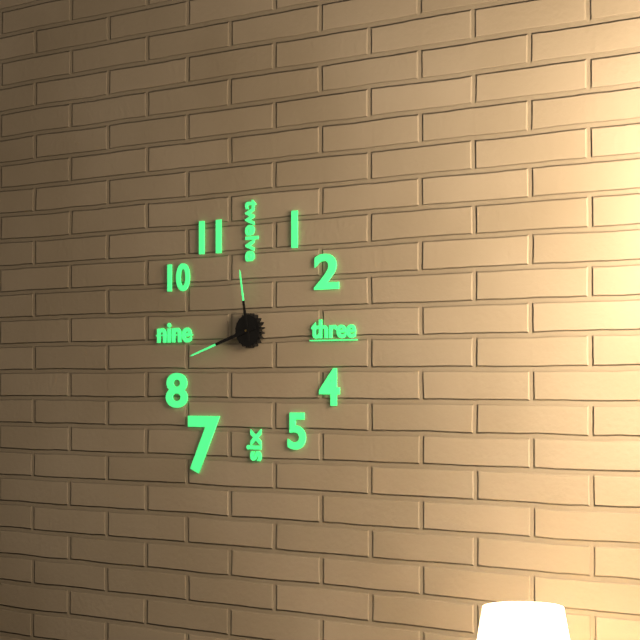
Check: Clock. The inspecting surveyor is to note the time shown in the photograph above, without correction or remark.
11:42
